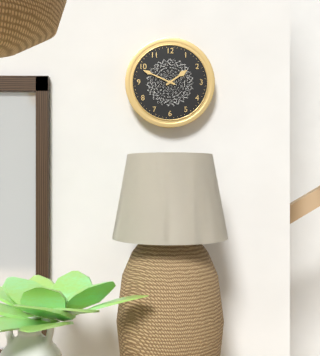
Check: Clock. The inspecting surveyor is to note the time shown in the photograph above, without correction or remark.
1:49
